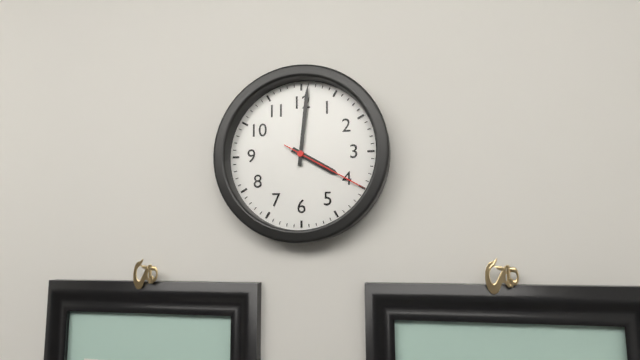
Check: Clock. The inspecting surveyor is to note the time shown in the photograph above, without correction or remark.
4:01:20
